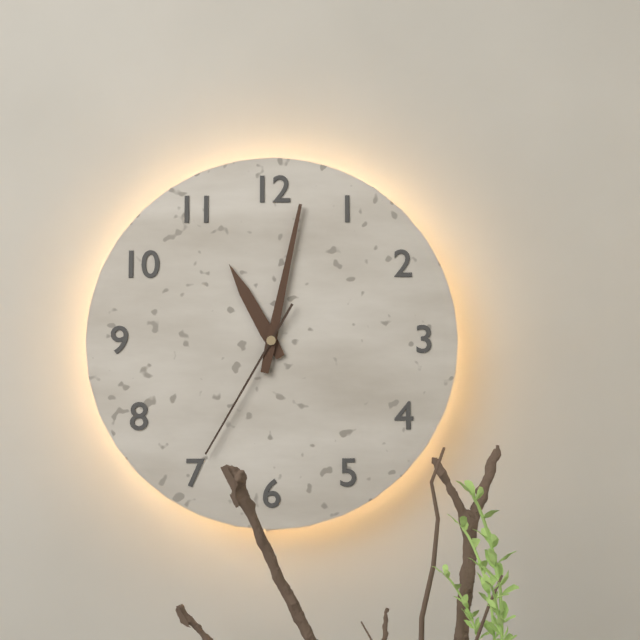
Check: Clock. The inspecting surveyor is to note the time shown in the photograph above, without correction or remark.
11:02:35
